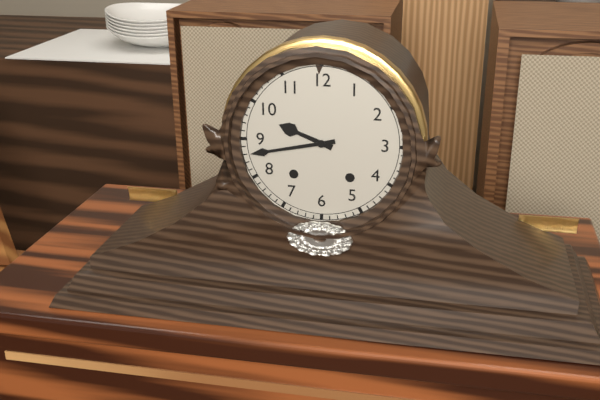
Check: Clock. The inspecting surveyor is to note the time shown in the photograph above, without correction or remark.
9:43
